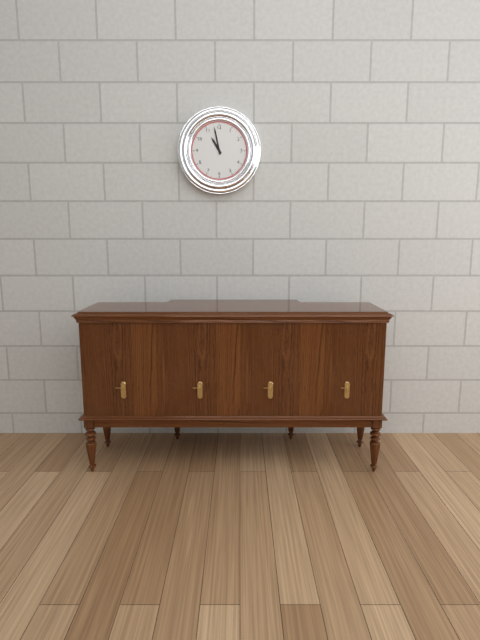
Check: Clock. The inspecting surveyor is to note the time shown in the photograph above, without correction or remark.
10:58
